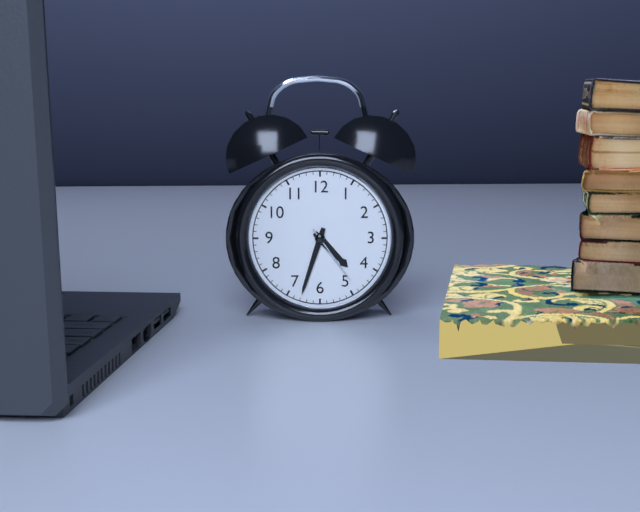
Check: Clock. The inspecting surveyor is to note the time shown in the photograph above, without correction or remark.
4:33:24
